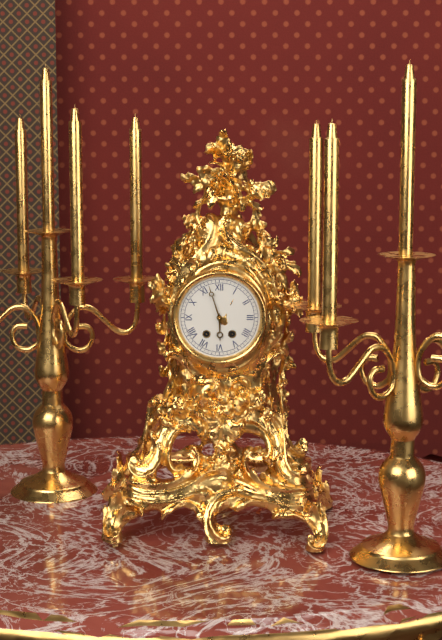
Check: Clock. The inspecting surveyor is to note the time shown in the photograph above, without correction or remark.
5:57
